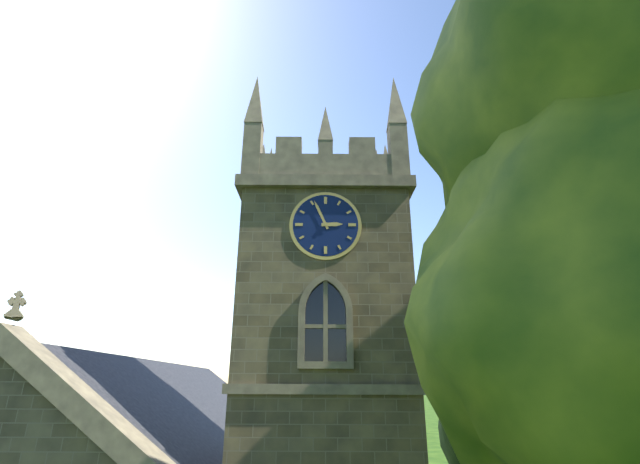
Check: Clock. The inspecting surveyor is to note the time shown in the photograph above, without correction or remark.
2:56
